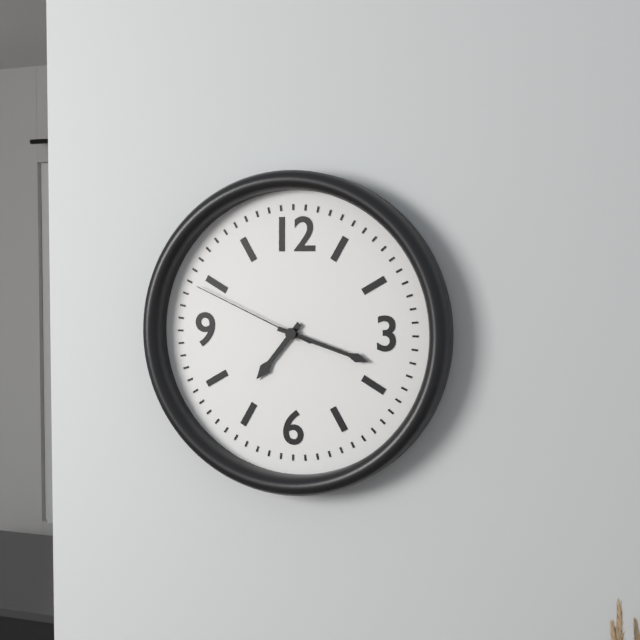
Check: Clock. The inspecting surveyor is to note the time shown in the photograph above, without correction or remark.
7:18:49
